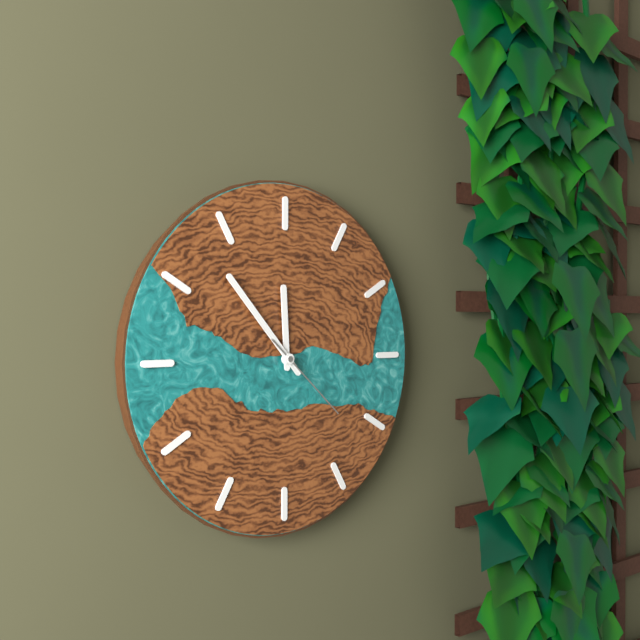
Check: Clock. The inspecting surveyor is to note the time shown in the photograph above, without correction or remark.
11:53:22
